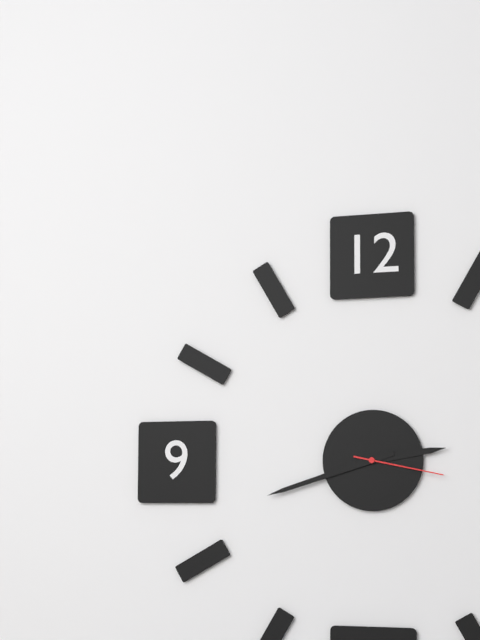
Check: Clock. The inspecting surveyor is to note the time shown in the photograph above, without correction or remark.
2:42:17
